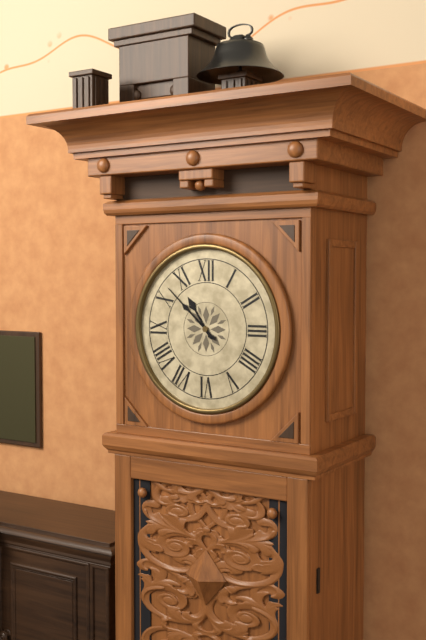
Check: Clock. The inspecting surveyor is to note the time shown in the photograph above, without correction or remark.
10:52
